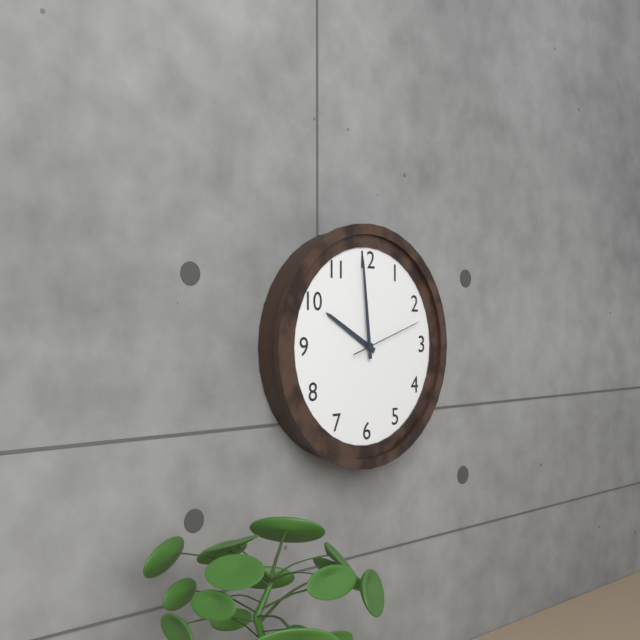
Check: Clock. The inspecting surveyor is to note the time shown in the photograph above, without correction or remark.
9:59:12
